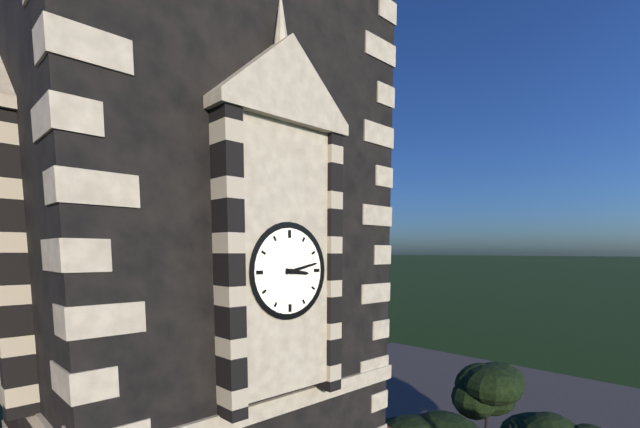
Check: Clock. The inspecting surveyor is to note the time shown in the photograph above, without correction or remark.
3:13
